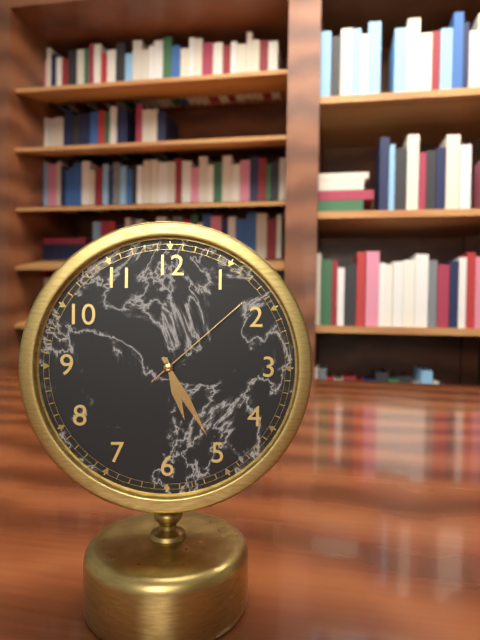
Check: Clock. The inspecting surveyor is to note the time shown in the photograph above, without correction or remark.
5:25:08
